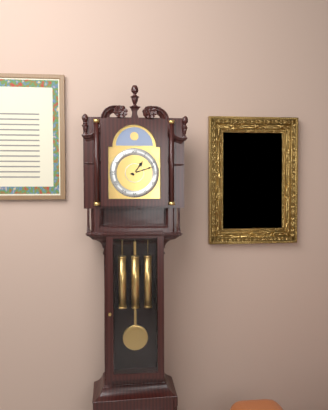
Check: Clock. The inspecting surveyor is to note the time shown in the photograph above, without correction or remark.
1:12
